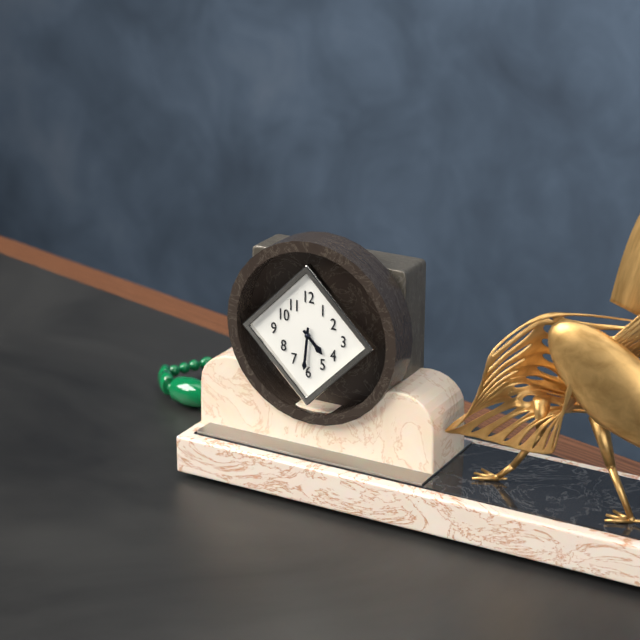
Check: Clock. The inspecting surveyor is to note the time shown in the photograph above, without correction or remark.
4:31
